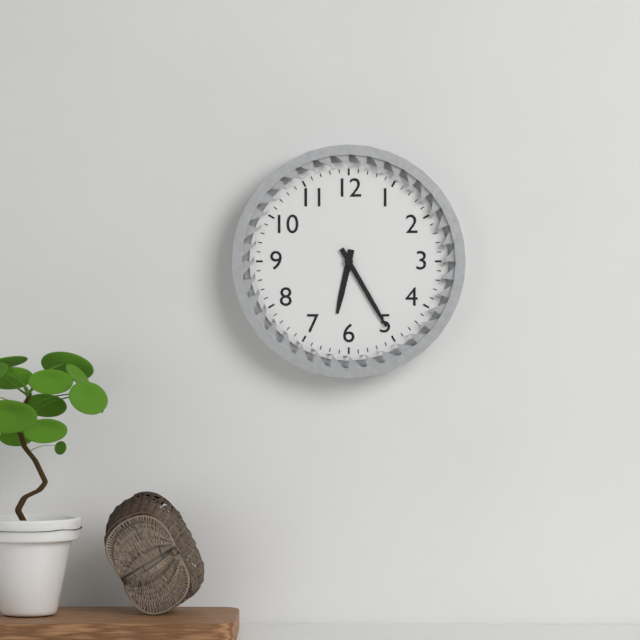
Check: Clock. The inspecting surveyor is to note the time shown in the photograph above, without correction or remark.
6:25
